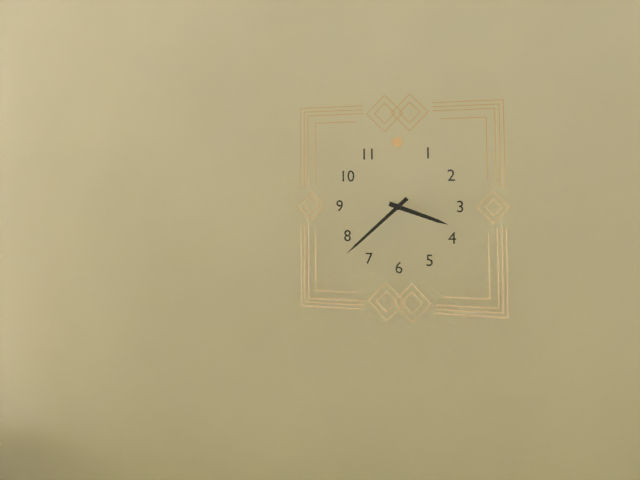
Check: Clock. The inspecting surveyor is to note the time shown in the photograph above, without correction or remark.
3:38
